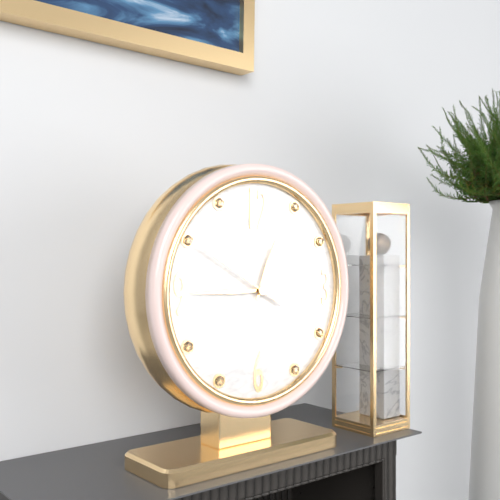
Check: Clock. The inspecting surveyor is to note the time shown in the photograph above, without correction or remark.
12:45:50
